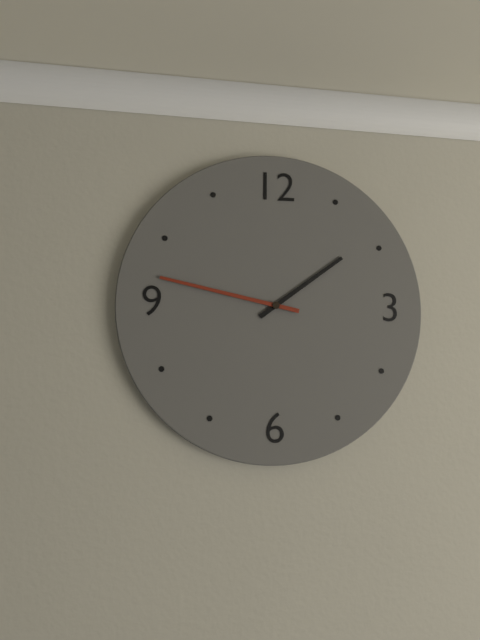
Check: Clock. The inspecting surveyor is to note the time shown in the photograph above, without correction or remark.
1:47
